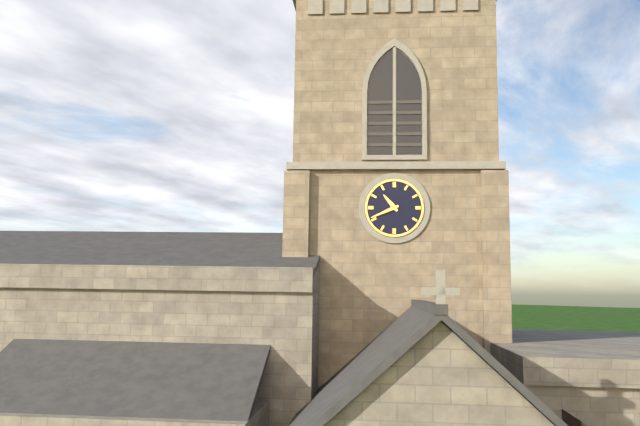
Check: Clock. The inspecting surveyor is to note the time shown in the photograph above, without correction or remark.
10:41
